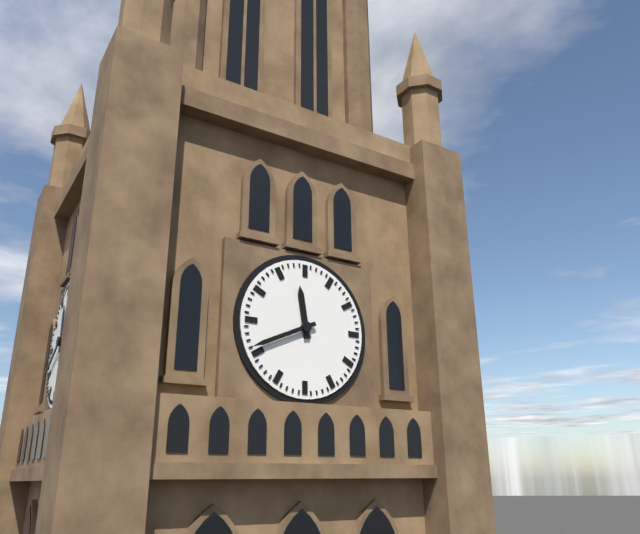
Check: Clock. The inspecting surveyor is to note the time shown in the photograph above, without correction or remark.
11:41
